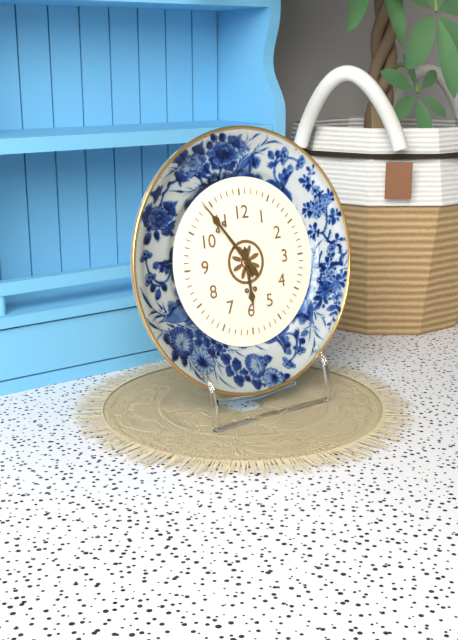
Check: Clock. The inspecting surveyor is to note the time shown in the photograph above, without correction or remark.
5:54
